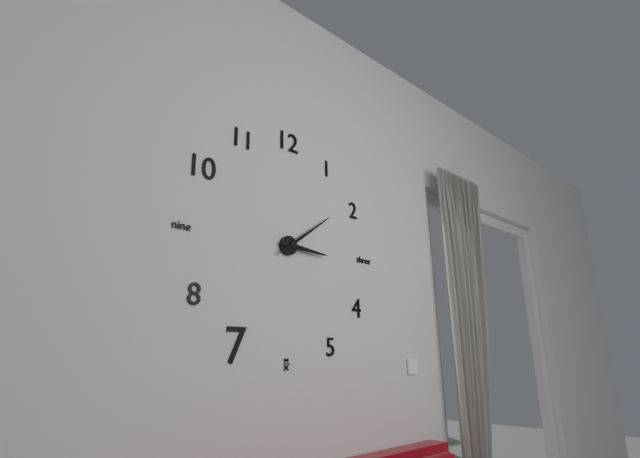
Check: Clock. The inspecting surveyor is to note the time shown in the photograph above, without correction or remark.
3:09
